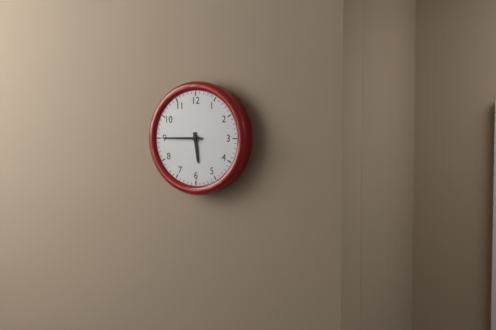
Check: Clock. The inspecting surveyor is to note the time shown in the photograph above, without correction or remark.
5:45
